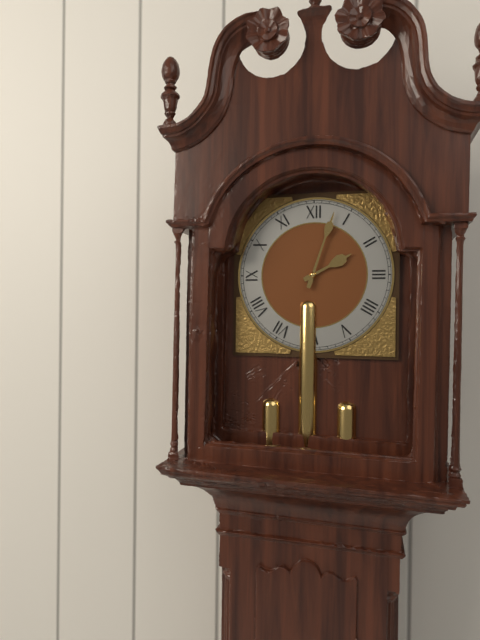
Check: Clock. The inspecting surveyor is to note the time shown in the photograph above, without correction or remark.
2:03
